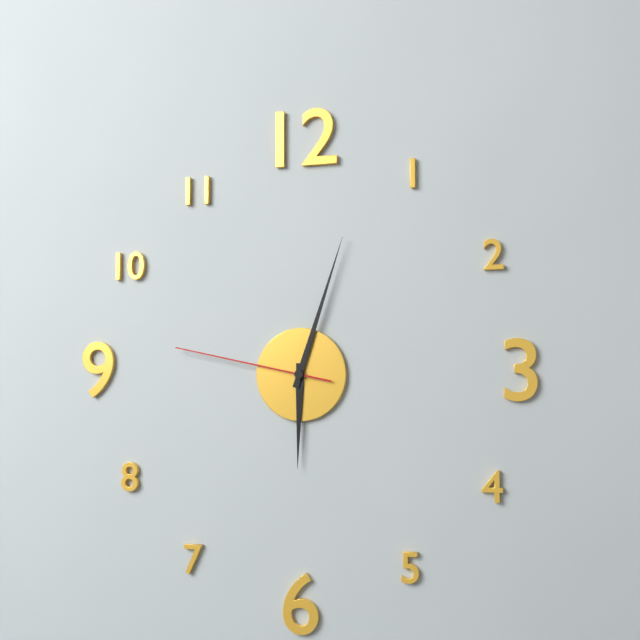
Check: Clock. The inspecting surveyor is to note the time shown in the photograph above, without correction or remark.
6:03:47
